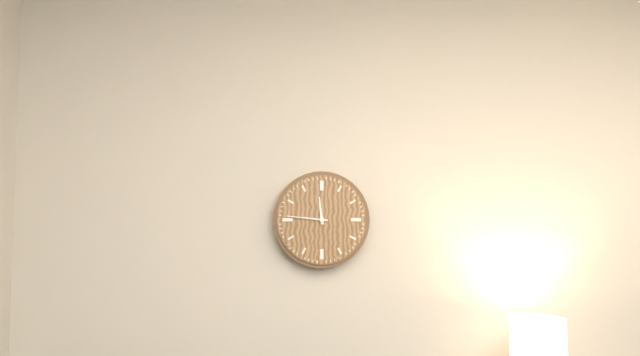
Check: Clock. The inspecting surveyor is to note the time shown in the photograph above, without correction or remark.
11:46
